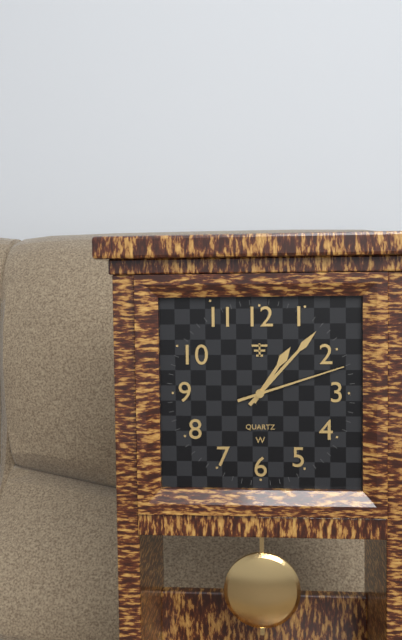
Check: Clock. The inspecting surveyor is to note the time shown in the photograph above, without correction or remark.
1:07:12
